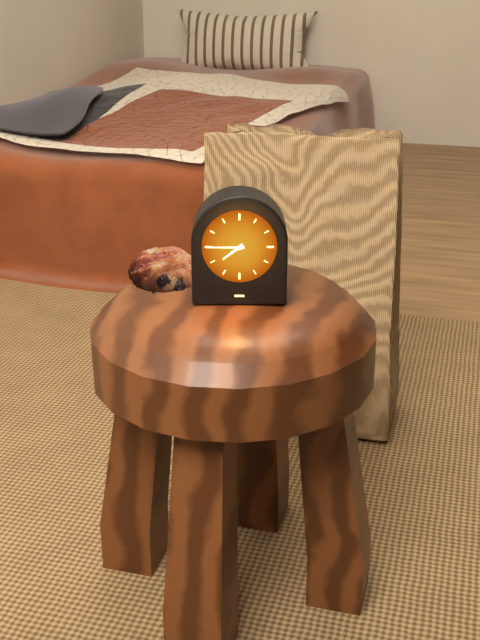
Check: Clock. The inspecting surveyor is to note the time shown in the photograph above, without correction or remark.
7:45
